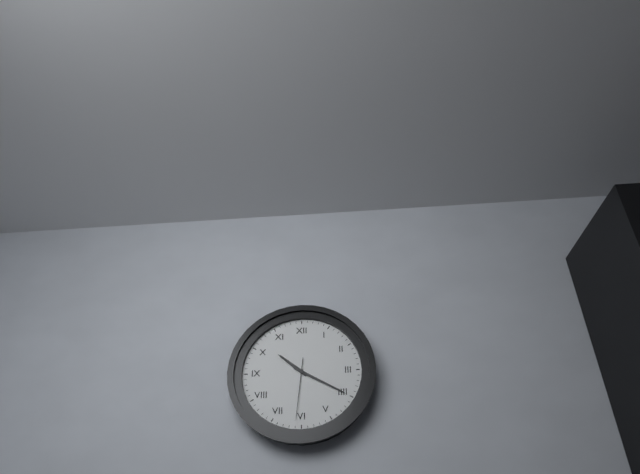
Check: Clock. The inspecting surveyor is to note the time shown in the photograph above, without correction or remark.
10:20:31
